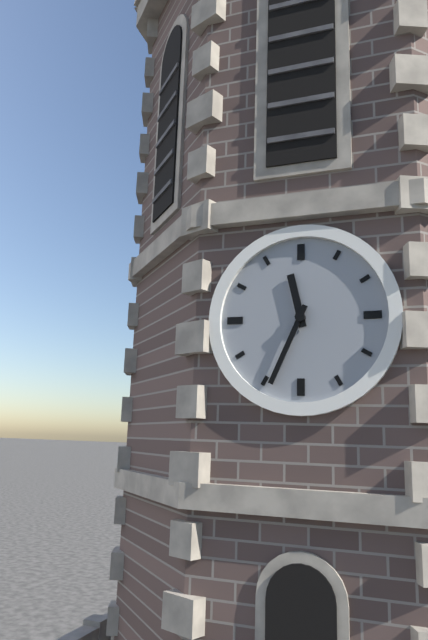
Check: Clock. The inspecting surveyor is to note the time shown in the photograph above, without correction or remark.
11:34
